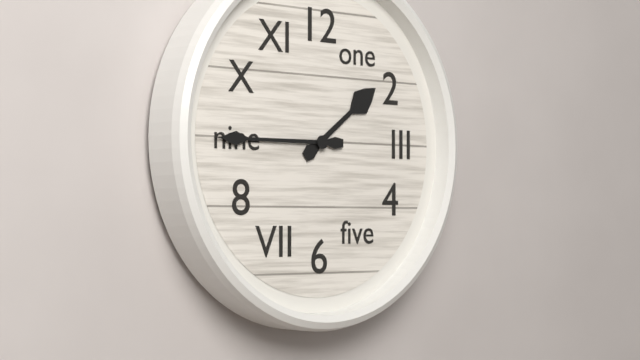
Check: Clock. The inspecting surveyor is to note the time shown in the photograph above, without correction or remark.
1:45
